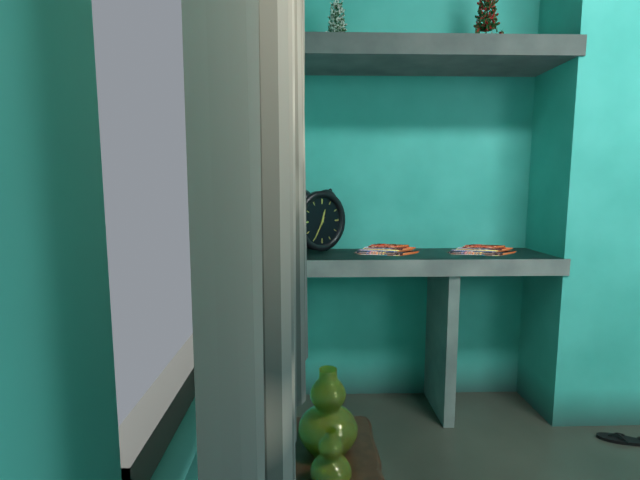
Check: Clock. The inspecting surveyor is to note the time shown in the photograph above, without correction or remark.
12:35
